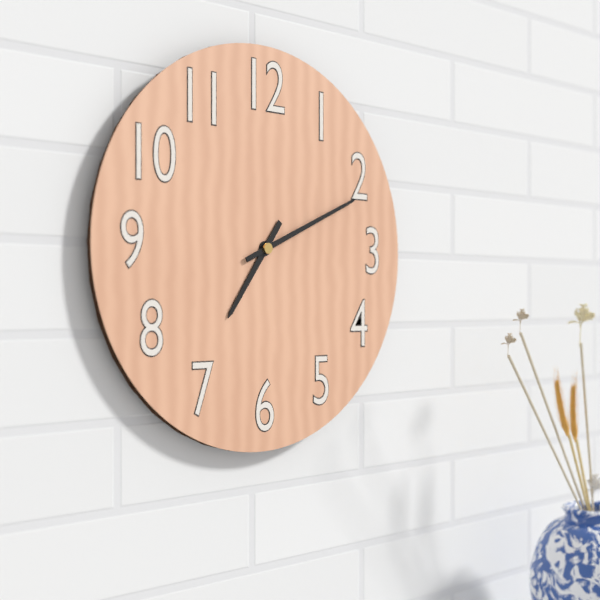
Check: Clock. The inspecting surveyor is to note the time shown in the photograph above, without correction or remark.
7:11
